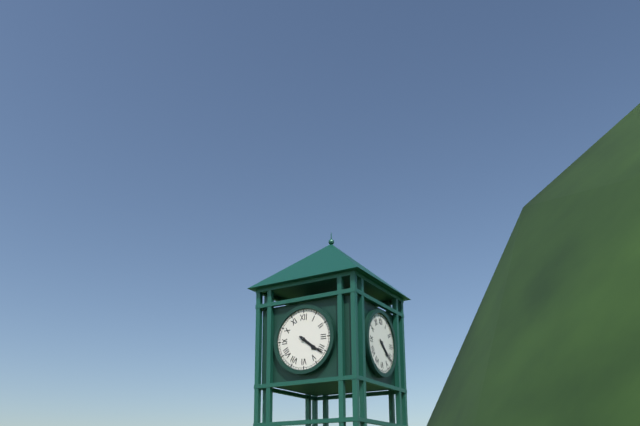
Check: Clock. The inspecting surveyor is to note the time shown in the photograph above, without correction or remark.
4:21
